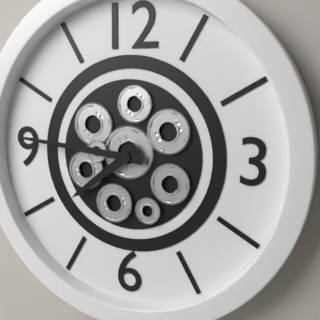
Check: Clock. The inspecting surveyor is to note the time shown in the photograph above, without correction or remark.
7:46
